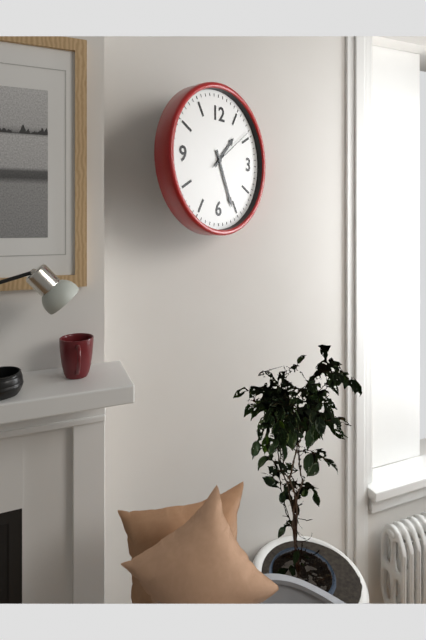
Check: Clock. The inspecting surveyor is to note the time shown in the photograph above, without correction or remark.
1:26:09
